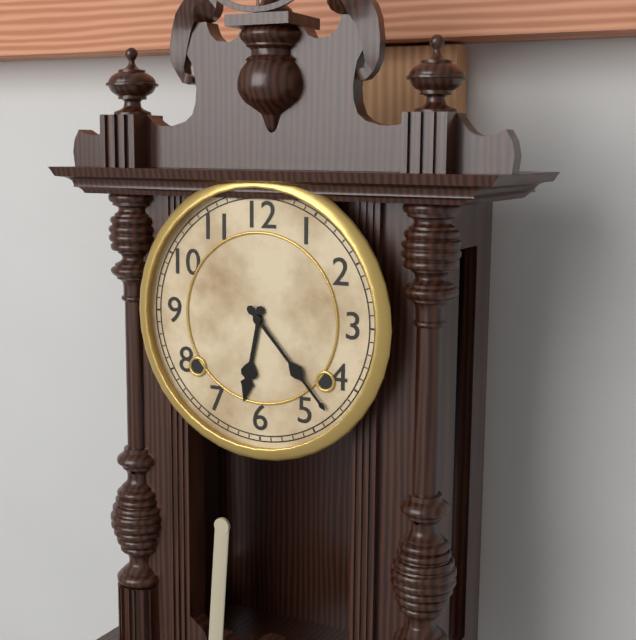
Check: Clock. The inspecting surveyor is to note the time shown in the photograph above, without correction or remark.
6:23
